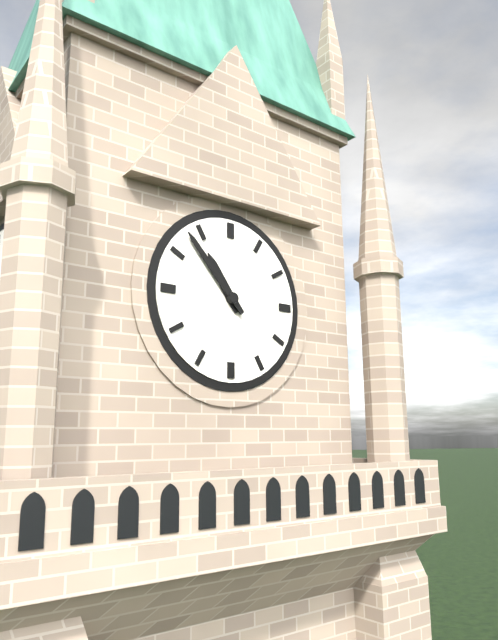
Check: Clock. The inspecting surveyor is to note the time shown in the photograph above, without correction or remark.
10:53
